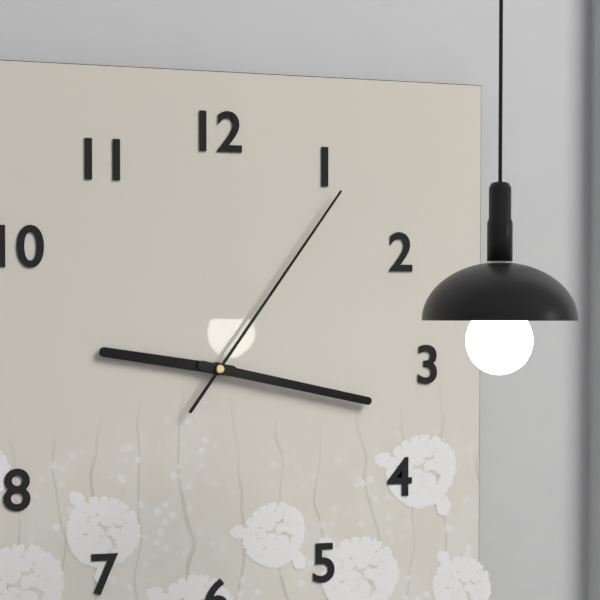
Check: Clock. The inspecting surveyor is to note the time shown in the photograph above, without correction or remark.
9:17:06
